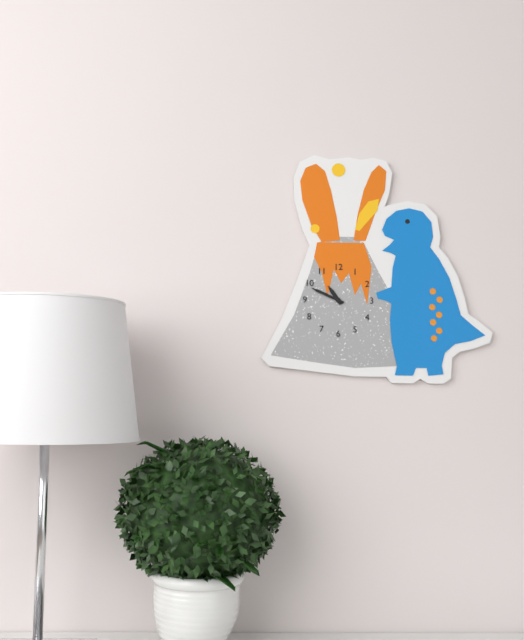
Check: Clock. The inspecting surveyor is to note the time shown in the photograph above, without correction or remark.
10:49
